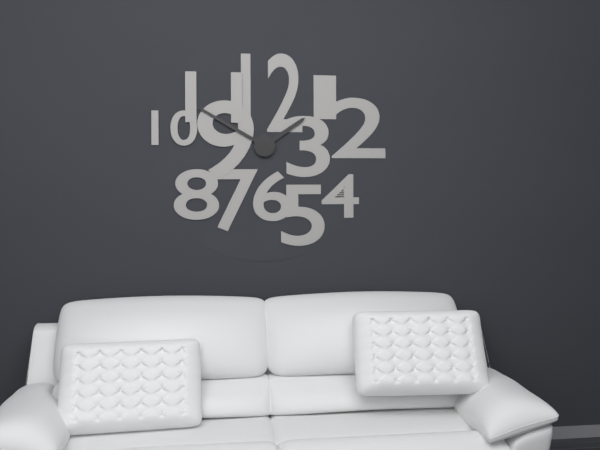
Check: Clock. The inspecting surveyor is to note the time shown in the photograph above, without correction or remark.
1:50
